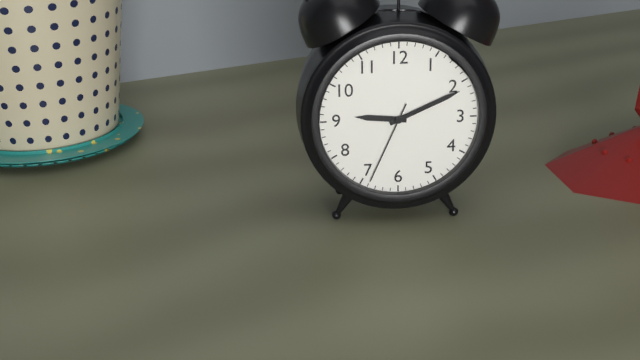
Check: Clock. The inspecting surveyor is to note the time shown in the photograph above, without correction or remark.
9:11:34
